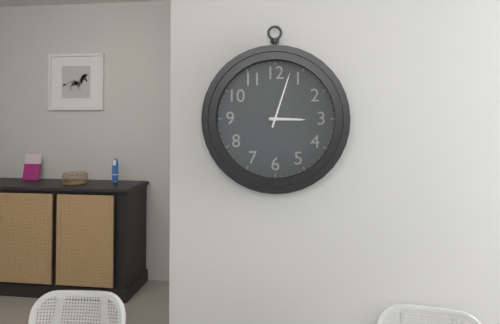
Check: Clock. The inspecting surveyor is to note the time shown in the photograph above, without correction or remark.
3:03
